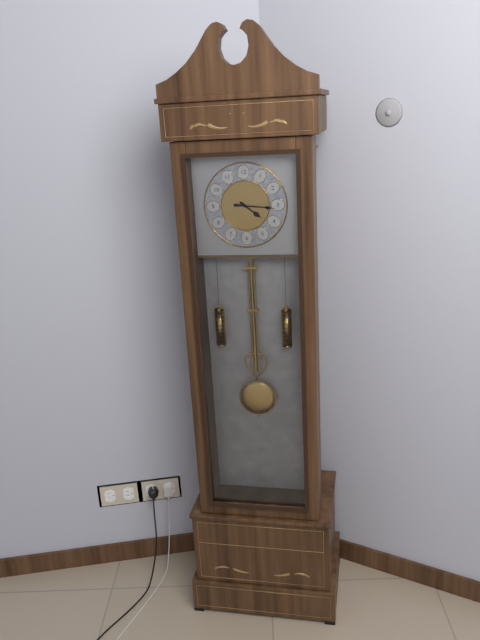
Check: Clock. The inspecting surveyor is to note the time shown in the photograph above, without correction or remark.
4:16
